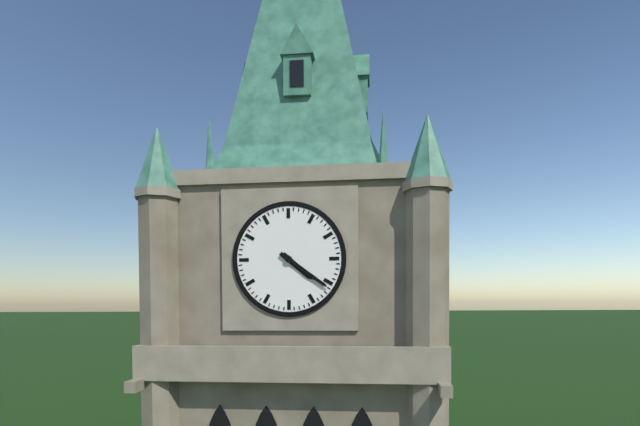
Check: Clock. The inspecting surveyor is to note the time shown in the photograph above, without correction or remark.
4:21
